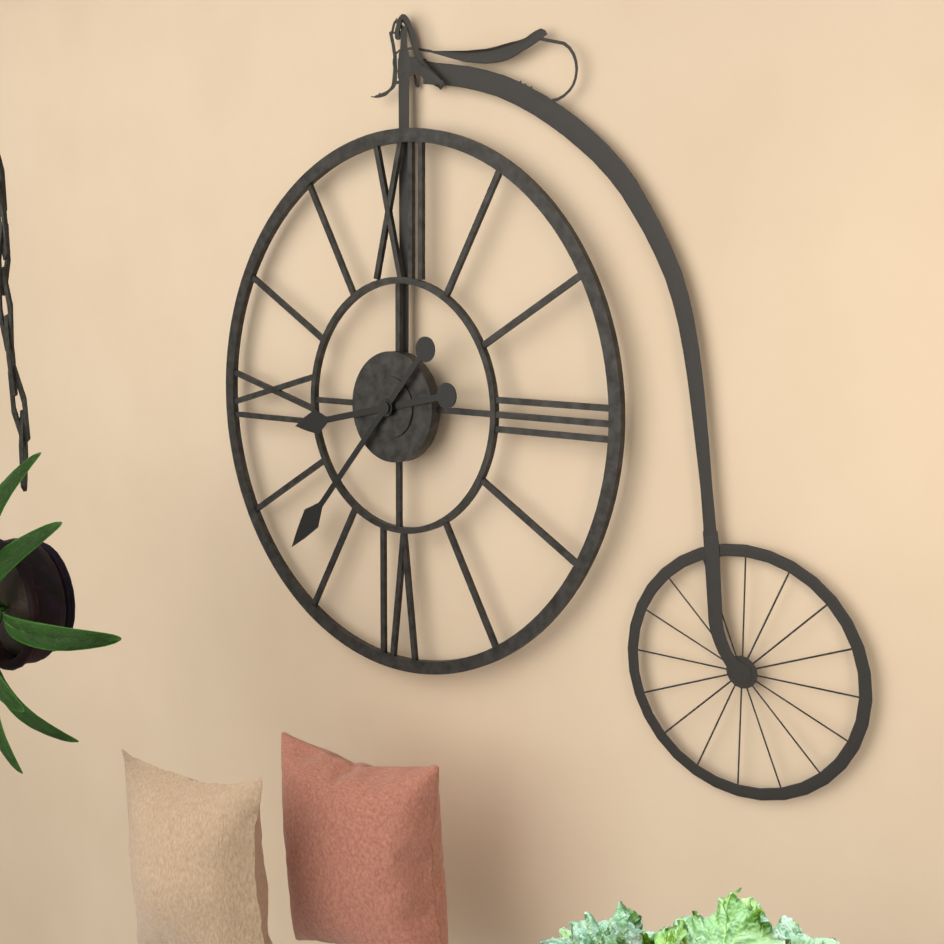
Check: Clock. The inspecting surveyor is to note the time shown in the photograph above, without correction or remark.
8:37
